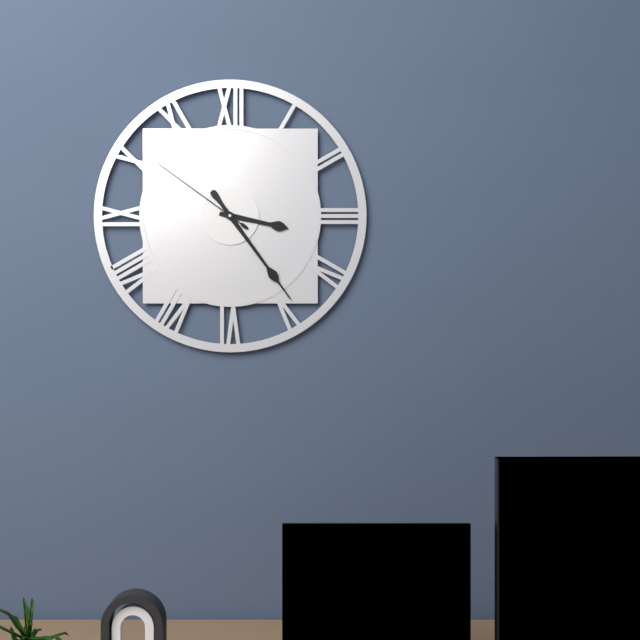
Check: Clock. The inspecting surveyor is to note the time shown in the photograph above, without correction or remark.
3:24:51
